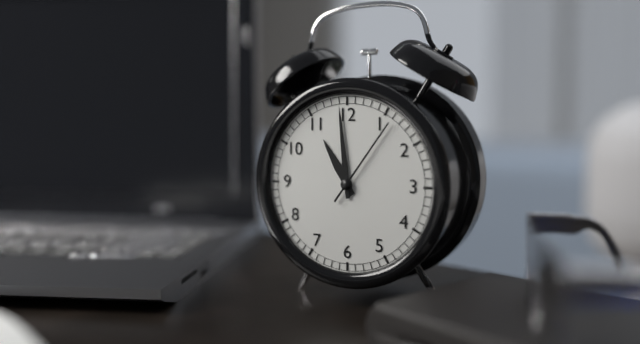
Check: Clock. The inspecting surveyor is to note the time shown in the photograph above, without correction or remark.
10:59:06
